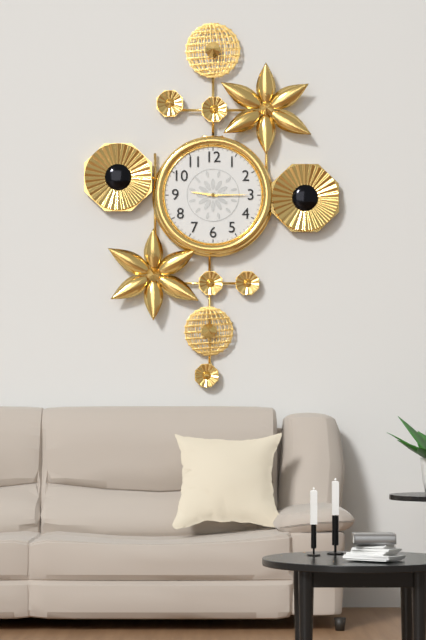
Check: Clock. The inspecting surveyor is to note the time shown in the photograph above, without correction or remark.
9:15
